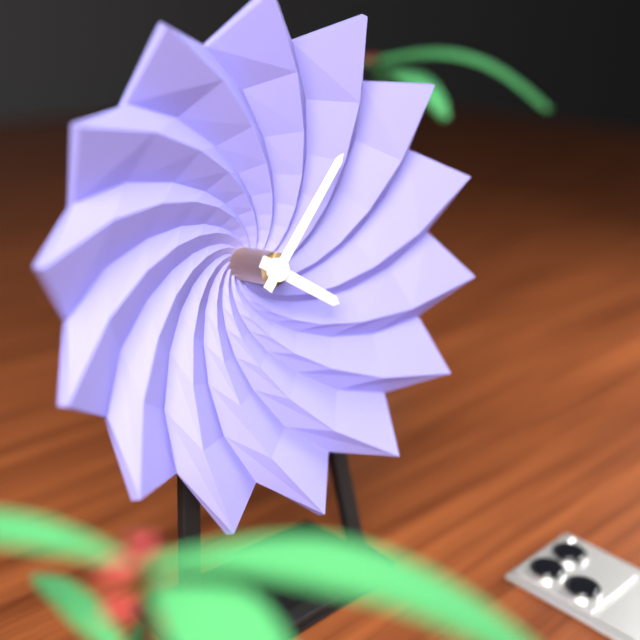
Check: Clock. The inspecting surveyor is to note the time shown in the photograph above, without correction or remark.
4:07
